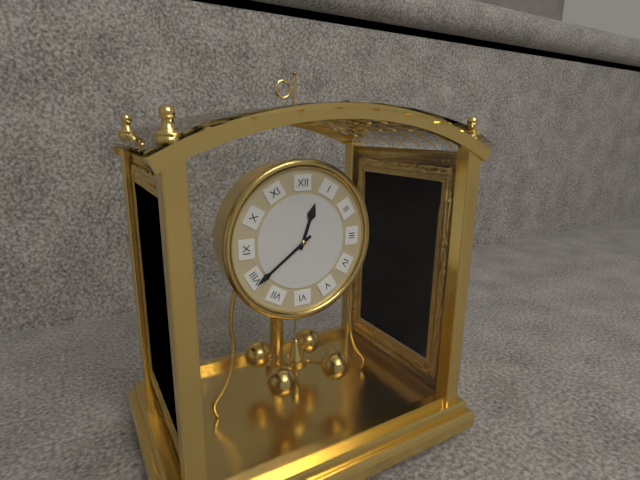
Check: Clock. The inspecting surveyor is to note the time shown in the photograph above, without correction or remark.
12:39
